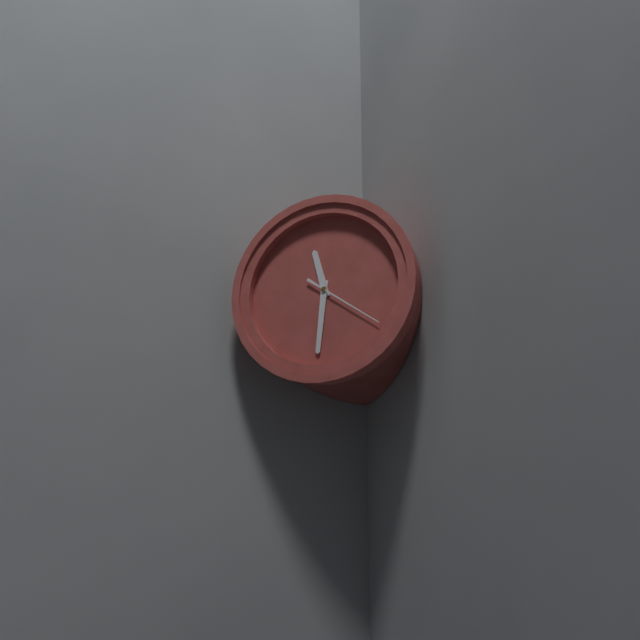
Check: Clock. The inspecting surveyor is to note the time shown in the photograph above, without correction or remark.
11:31:21
